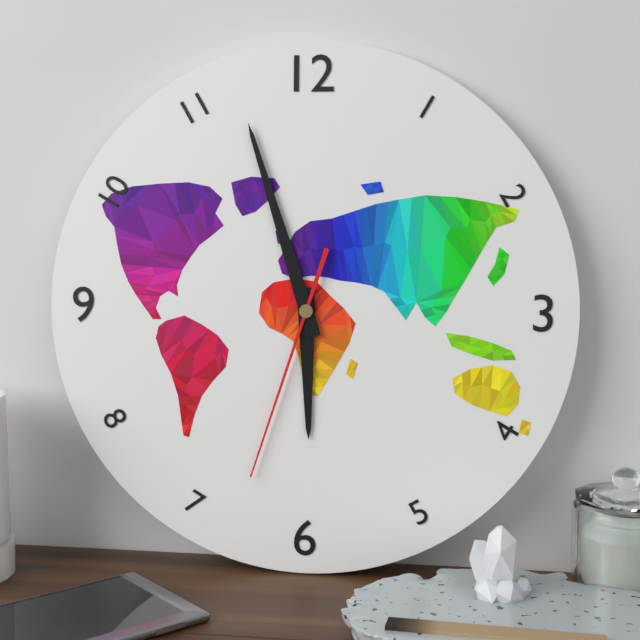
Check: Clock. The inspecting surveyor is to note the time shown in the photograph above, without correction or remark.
5:57:33
